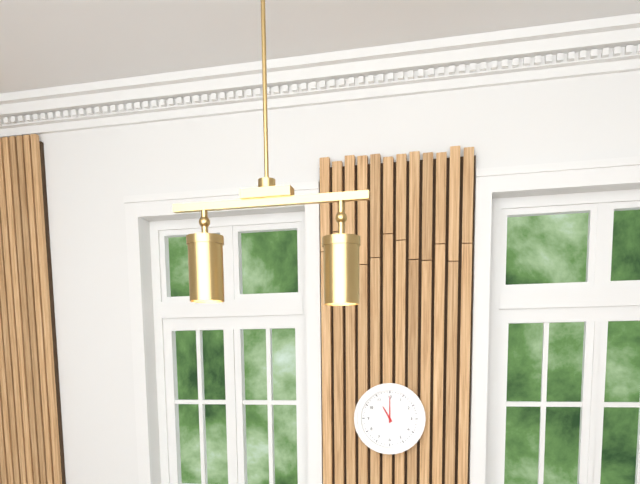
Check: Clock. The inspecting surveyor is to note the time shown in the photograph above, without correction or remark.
11:00
